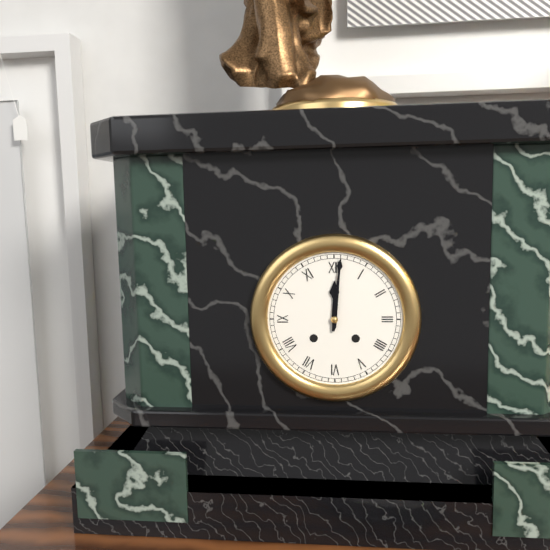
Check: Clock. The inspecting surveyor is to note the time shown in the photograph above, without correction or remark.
12:01
